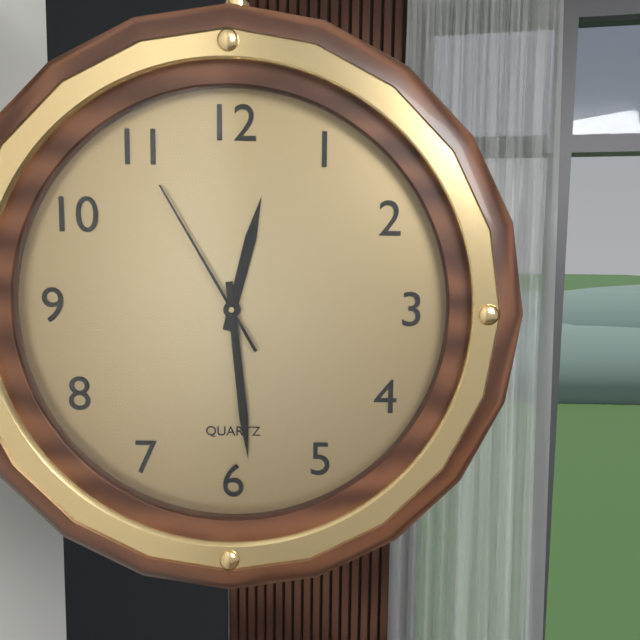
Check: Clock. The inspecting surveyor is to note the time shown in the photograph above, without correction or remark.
12:29:55
